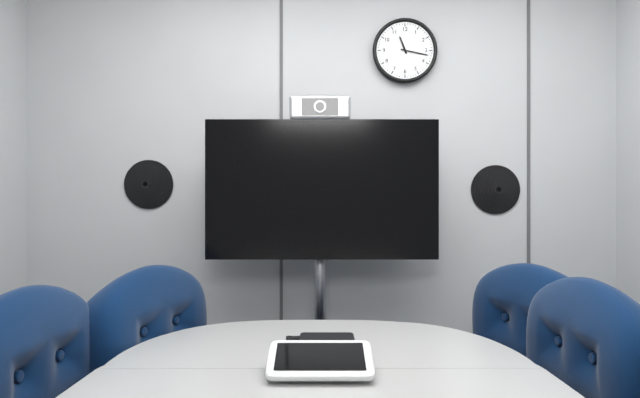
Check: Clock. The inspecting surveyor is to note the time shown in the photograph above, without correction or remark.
11:17
